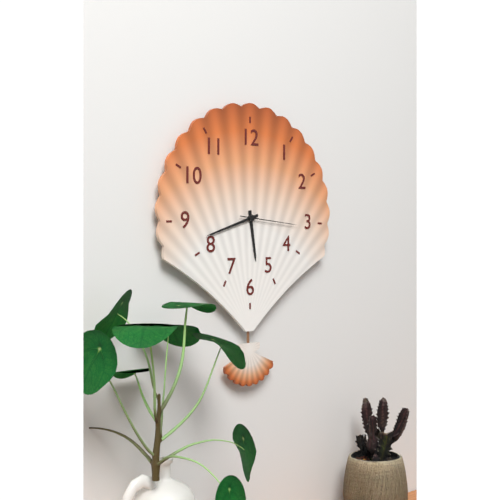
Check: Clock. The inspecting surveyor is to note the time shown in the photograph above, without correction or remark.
5:42:16
